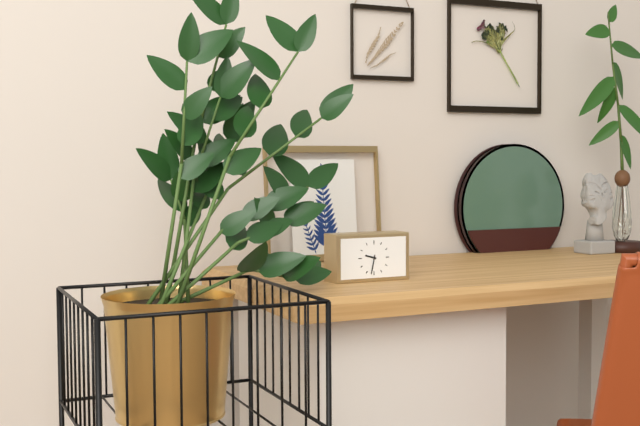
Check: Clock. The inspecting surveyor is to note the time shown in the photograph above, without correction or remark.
9:32
